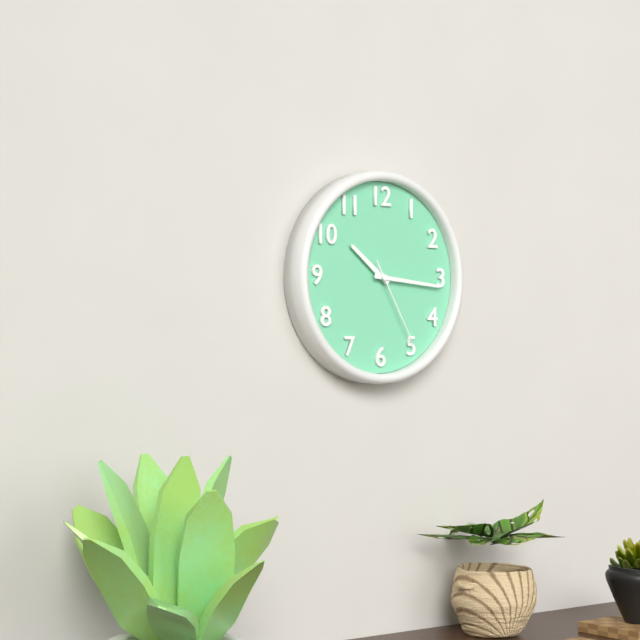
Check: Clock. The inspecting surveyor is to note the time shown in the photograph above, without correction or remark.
10:16:25
